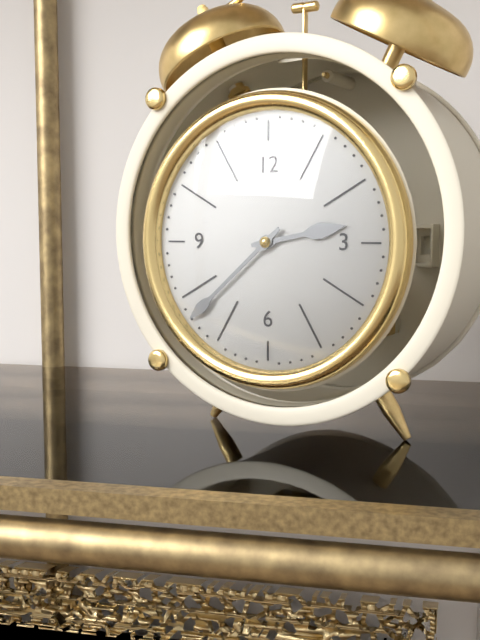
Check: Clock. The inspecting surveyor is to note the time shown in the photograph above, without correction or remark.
2:38
